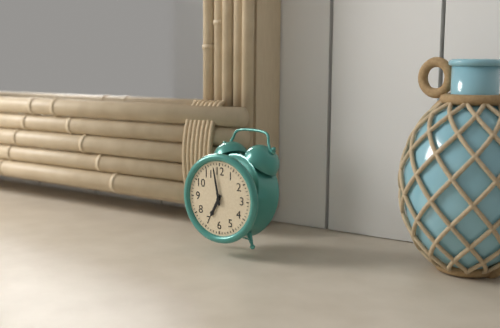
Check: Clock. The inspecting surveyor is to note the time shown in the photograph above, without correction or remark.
6:58
